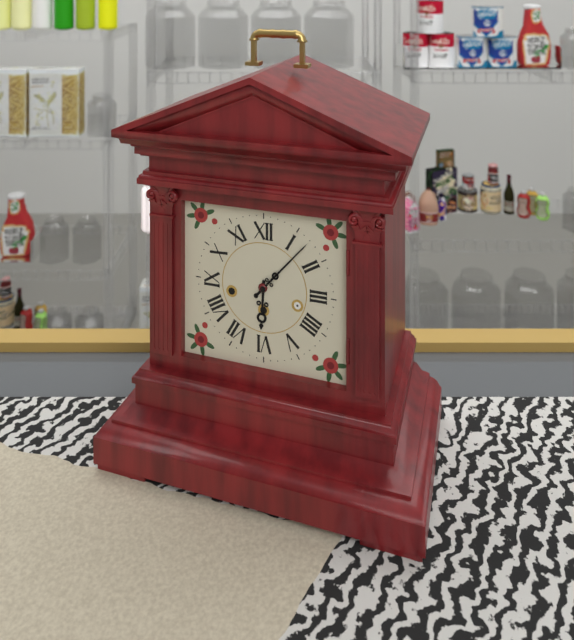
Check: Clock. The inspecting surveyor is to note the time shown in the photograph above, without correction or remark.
6:07
